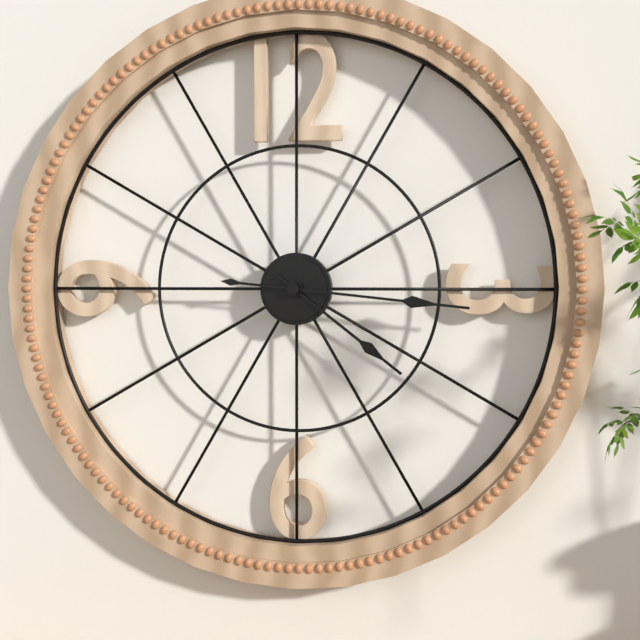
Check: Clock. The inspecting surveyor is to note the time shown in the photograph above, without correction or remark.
4:16
